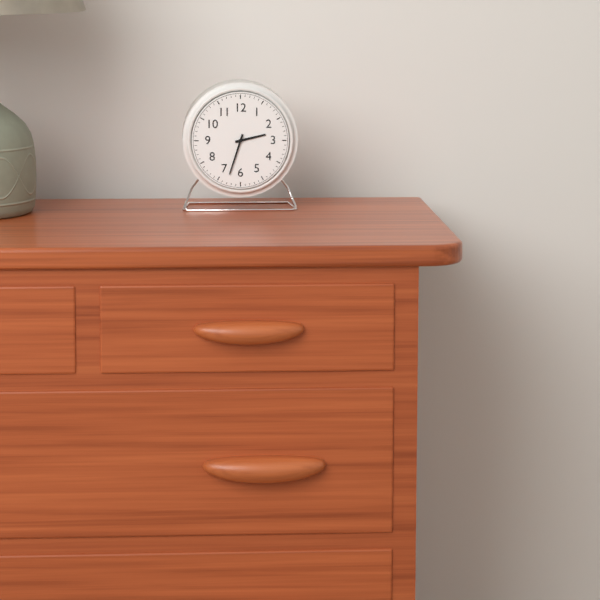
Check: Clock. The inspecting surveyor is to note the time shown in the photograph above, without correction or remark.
2:33
